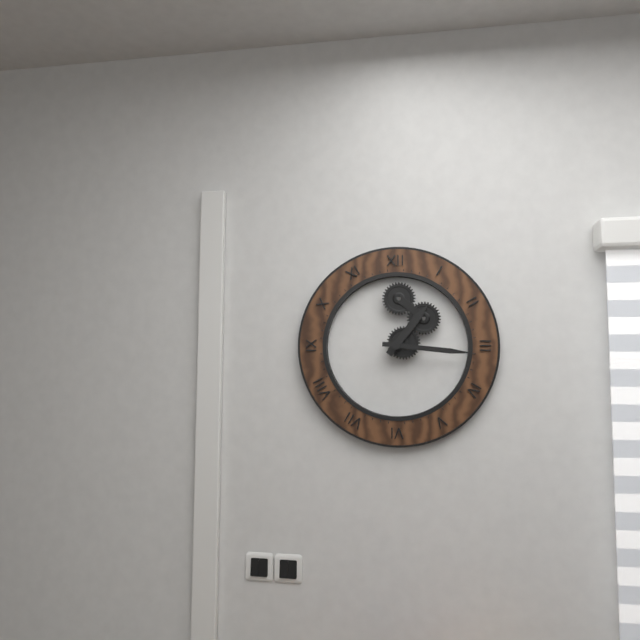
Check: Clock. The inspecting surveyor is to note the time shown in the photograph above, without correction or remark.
1:16
